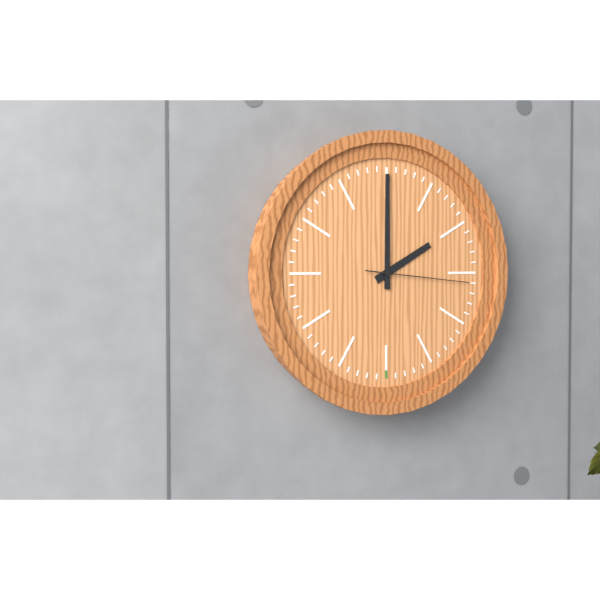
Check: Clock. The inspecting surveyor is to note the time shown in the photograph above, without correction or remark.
2:00:16
